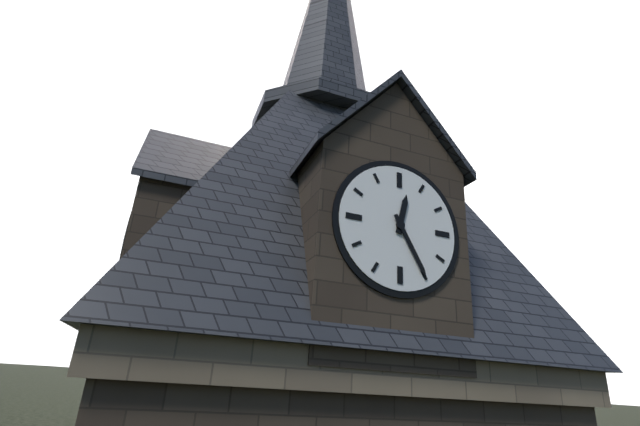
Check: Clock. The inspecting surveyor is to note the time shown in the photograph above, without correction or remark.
12:25
